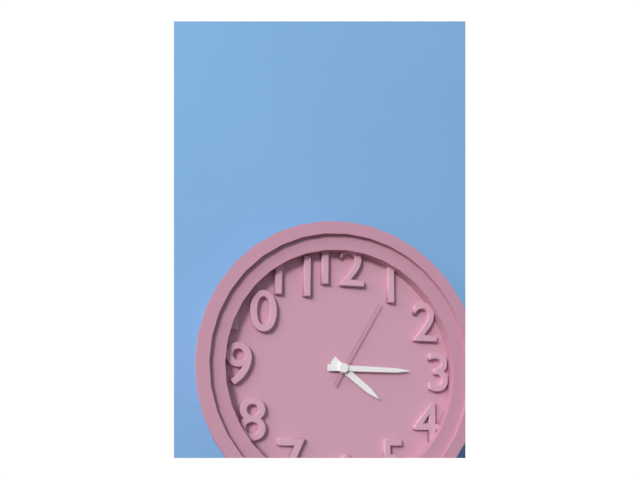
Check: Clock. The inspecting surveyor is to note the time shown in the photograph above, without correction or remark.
4:15:05
